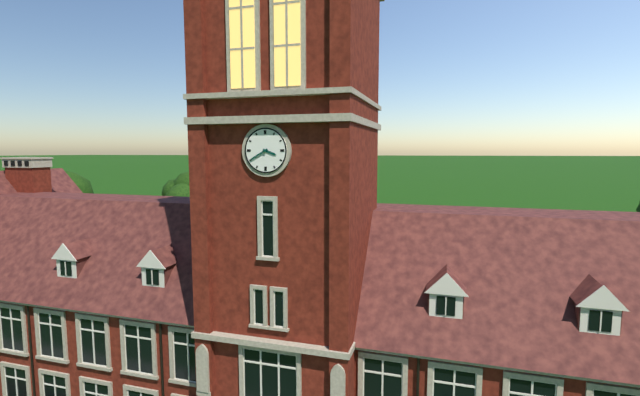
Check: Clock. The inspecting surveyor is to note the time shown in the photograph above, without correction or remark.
3:40
